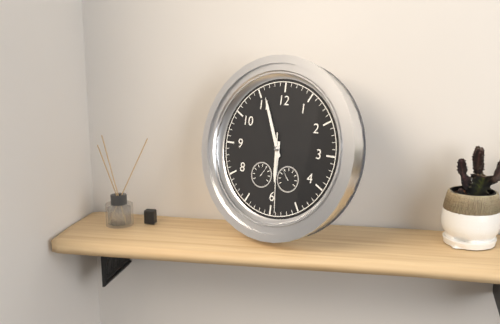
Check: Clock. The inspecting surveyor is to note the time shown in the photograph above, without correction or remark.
5:56:29
